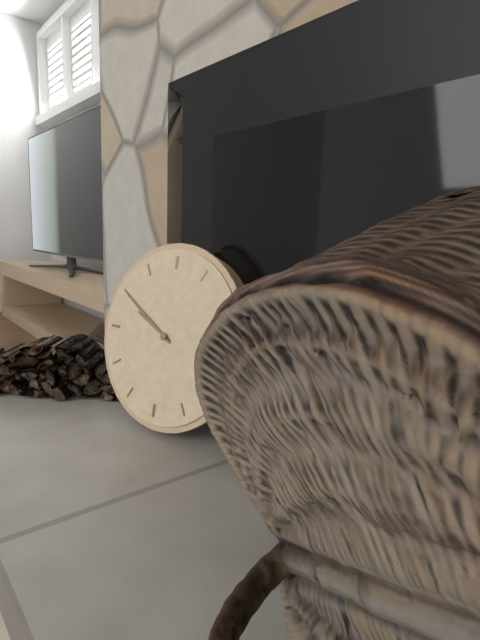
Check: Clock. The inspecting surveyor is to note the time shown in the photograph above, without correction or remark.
9:50
